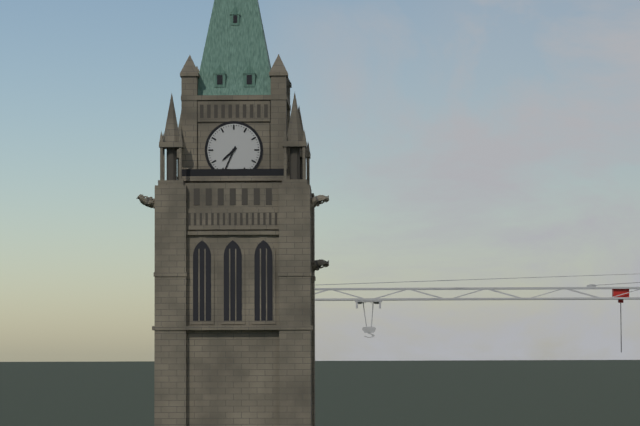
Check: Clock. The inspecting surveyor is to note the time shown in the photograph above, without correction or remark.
7:34
